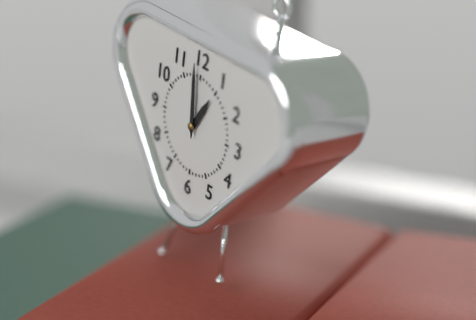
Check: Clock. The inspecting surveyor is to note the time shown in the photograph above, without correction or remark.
12:59
